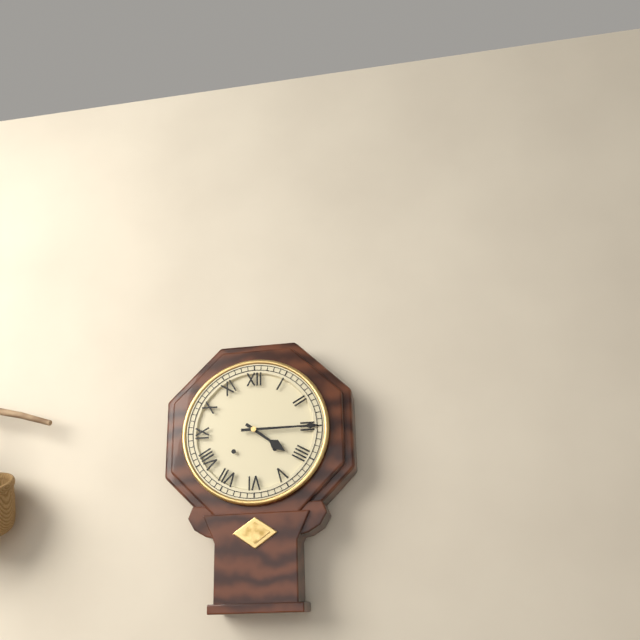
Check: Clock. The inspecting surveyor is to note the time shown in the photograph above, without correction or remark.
4:15
